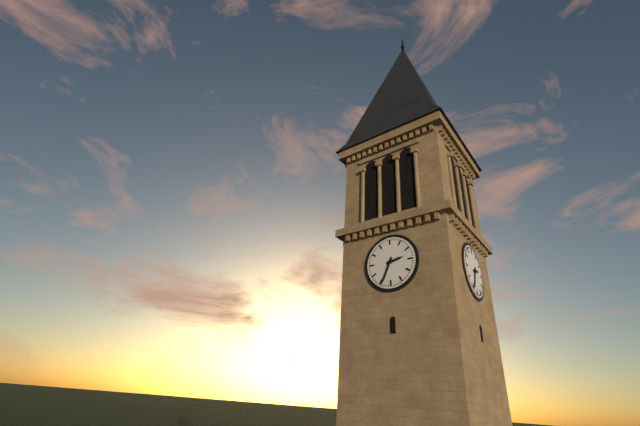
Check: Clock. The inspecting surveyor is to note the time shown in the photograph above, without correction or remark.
2:34
